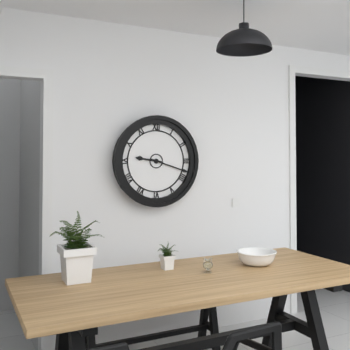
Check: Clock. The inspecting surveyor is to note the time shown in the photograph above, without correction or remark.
9:18
